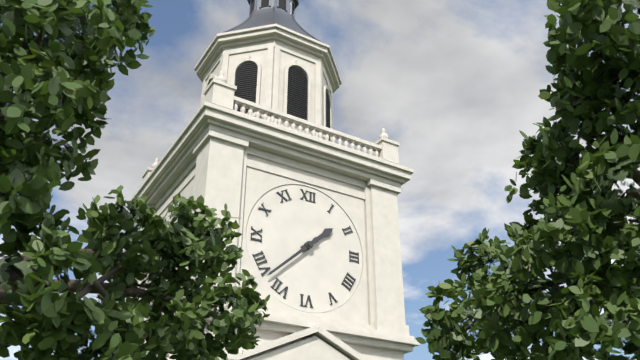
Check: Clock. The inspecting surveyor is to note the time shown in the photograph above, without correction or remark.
1:38
